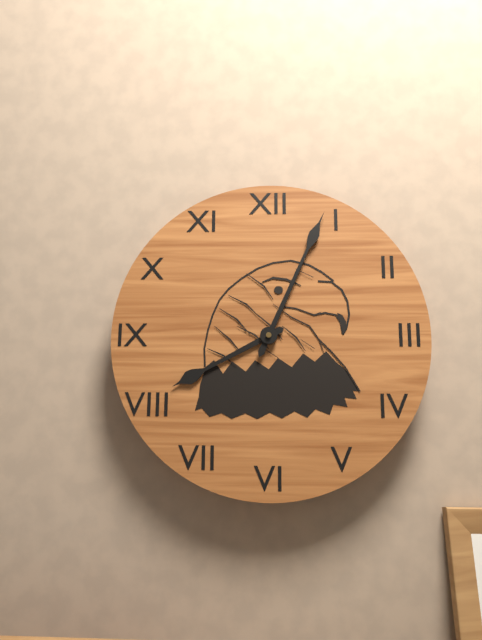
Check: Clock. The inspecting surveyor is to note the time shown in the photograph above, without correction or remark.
8:04
